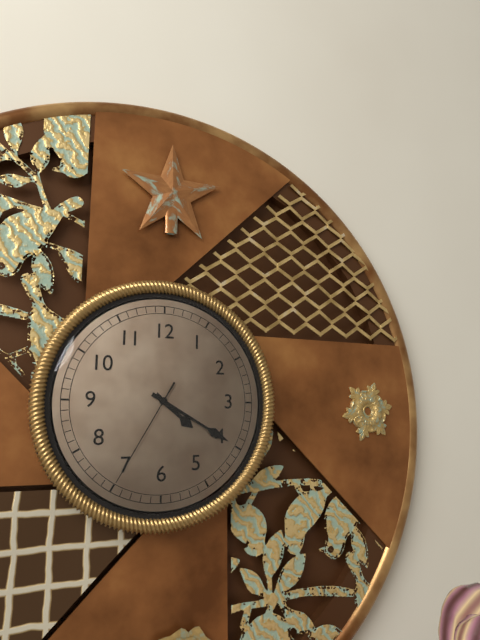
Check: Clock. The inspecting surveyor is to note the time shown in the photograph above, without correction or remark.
4:20:35
